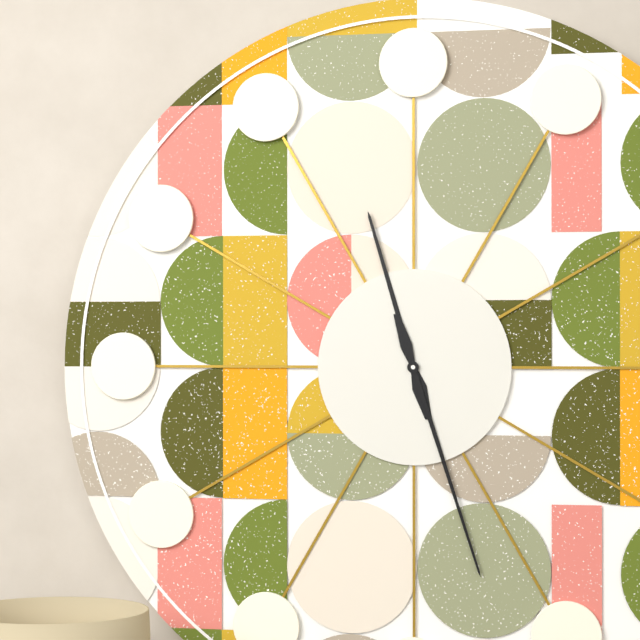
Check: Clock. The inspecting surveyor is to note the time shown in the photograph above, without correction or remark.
11:27
